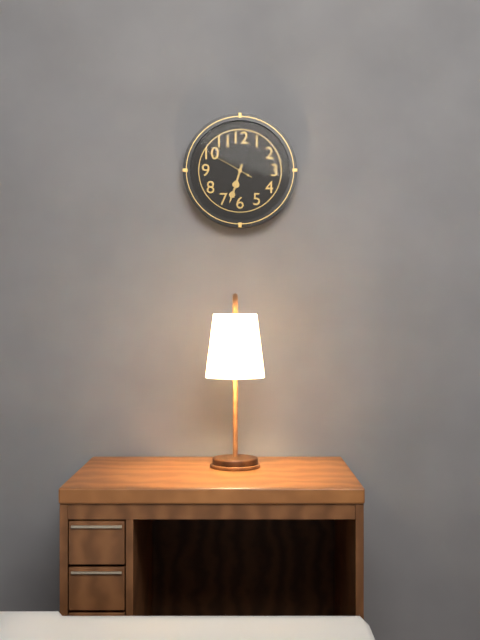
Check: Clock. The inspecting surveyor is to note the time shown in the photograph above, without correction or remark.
6:33
